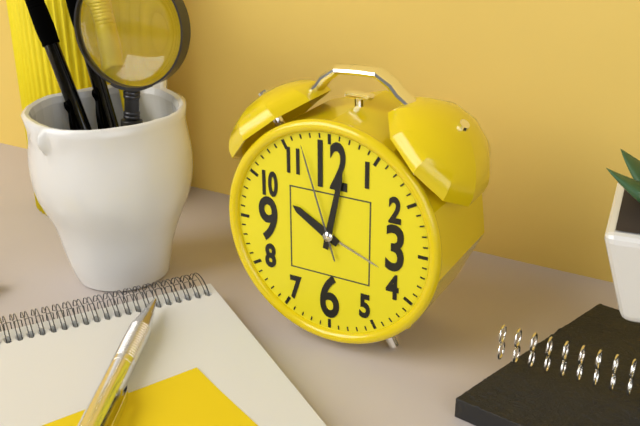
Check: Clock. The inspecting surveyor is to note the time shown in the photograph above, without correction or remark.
10:02:57
